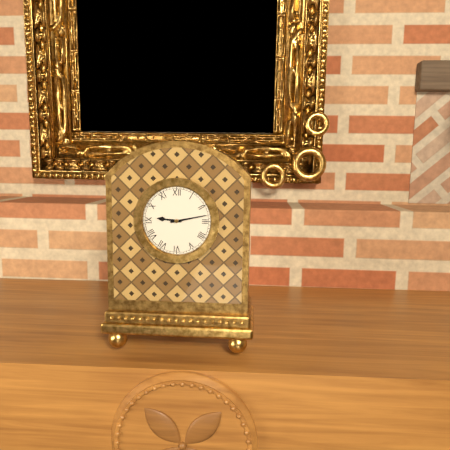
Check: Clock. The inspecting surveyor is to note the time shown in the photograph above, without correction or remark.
9:13
